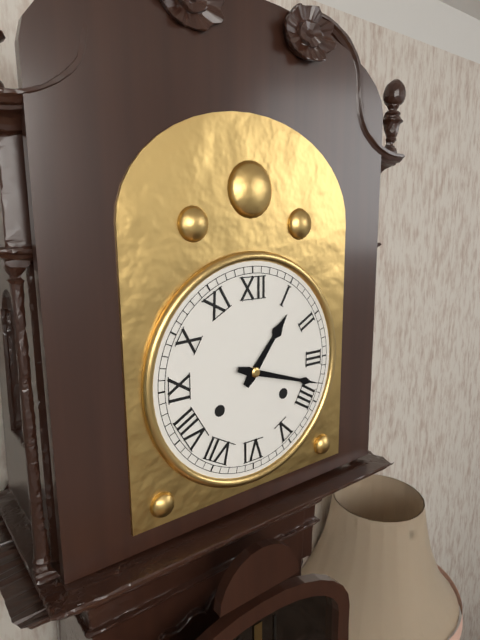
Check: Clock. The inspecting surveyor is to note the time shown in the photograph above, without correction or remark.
1:18
